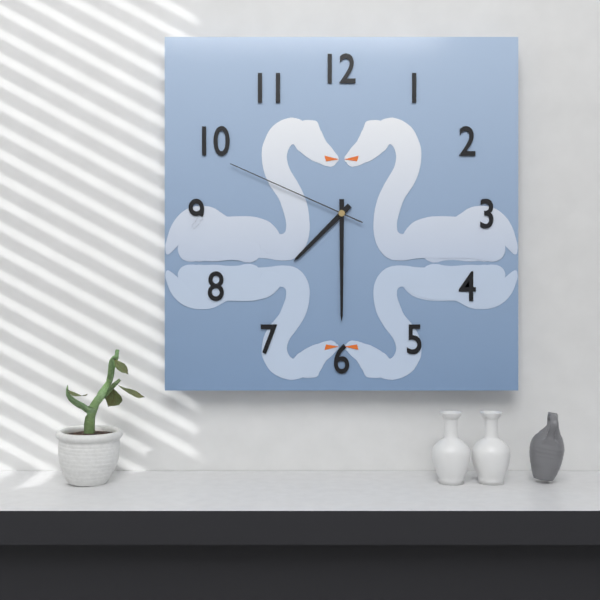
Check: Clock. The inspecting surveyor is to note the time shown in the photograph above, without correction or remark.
7:30:49
